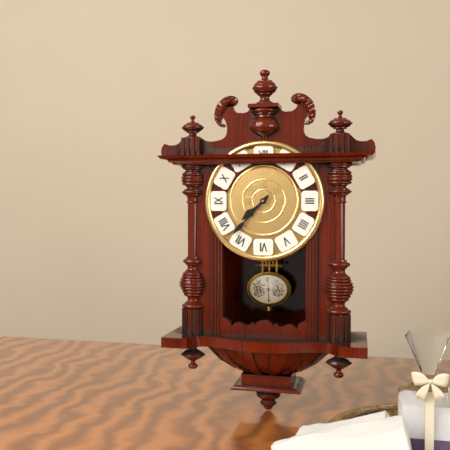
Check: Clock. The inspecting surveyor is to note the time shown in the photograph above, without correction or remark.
7:37
